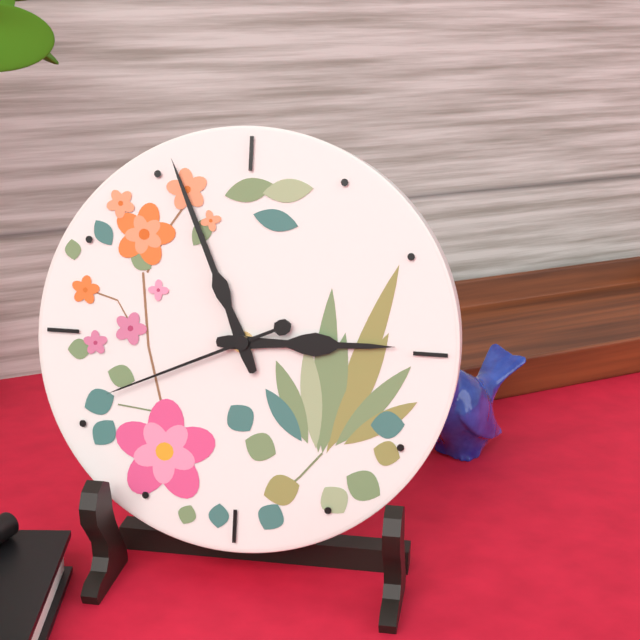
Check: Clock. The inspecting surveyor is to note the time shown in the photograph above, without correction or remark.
2:56:41
